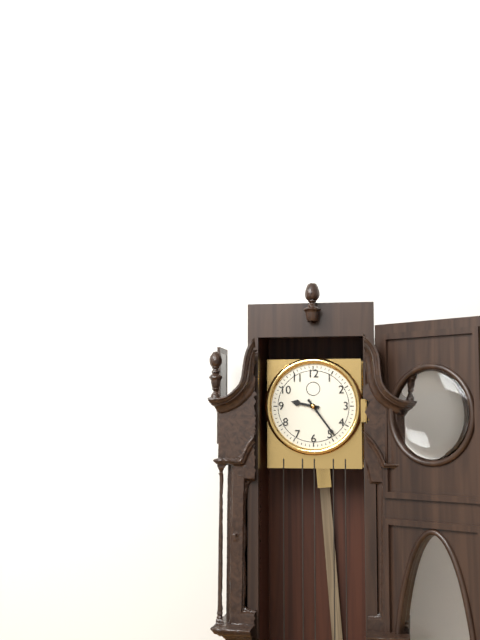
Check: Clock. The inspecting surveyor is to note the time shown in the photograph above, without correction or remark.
9:24
